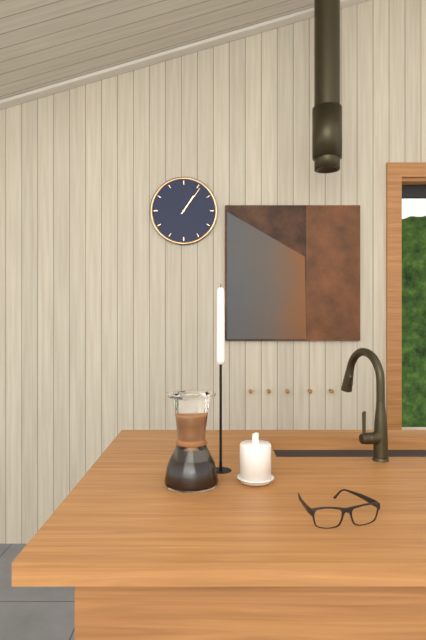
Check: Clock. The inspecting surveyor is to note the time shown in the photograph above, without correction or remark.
1:06
